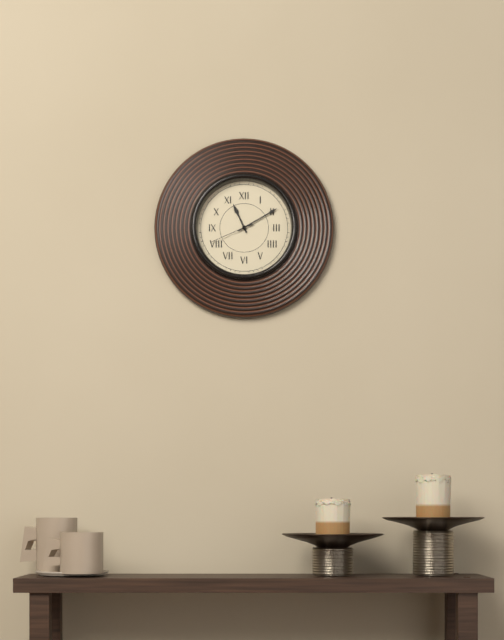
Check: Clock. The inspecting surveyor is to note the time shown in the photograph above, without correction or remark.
11:10
